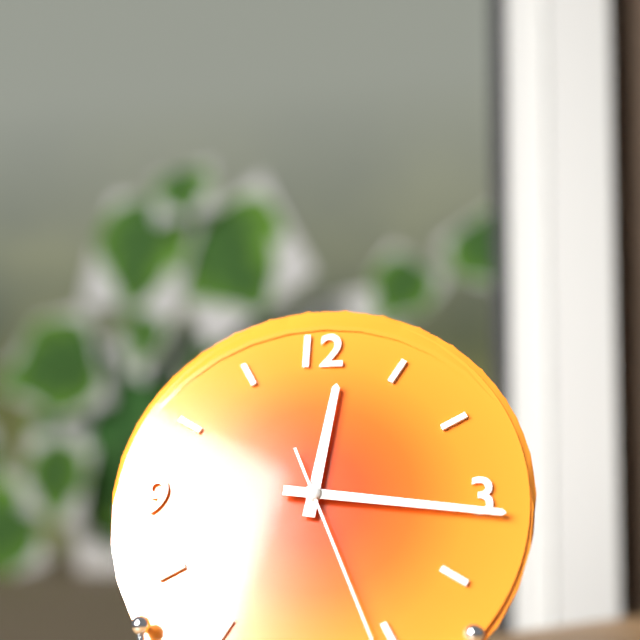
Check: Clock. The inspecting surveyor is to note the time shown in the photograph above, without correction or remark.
12:16
